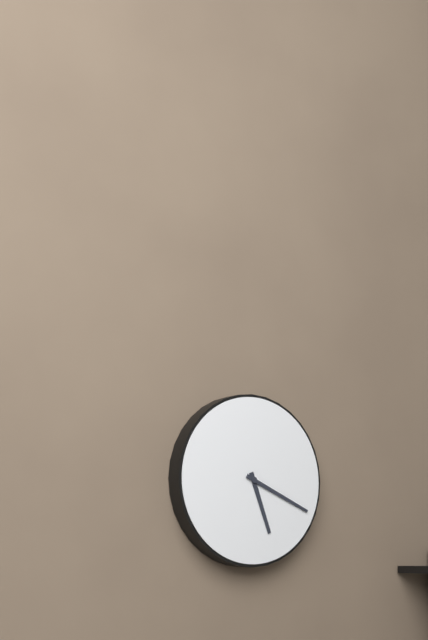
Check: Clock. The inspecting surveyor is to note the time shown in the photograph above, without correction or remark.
5:19
